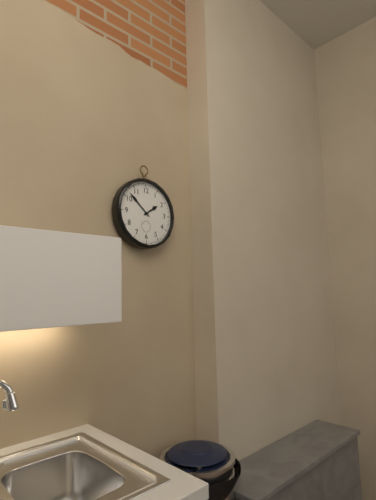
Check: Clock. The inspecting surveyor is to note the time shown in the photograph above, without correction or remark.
1:52
